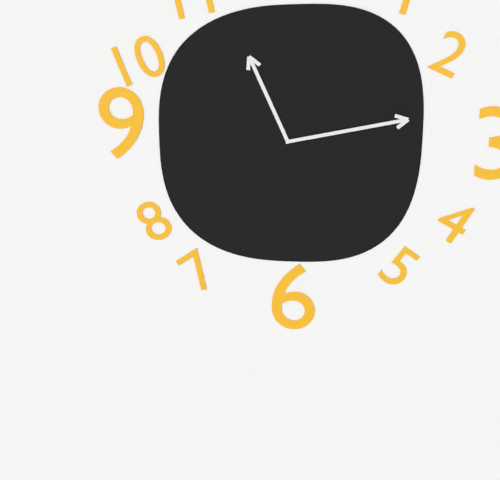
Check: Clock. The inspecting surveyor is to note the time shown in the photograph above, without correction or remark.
11:13
